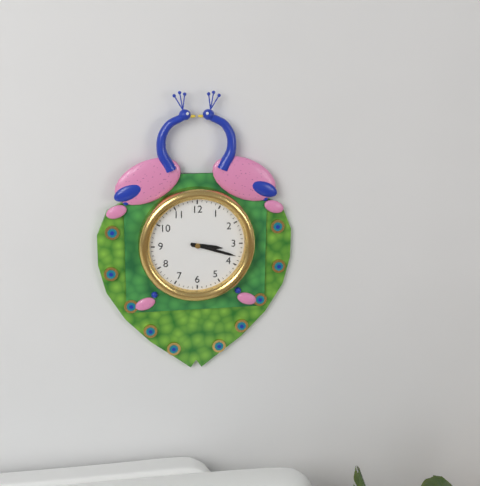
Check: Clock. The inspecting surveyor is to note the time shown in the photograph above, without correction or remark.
3:18
